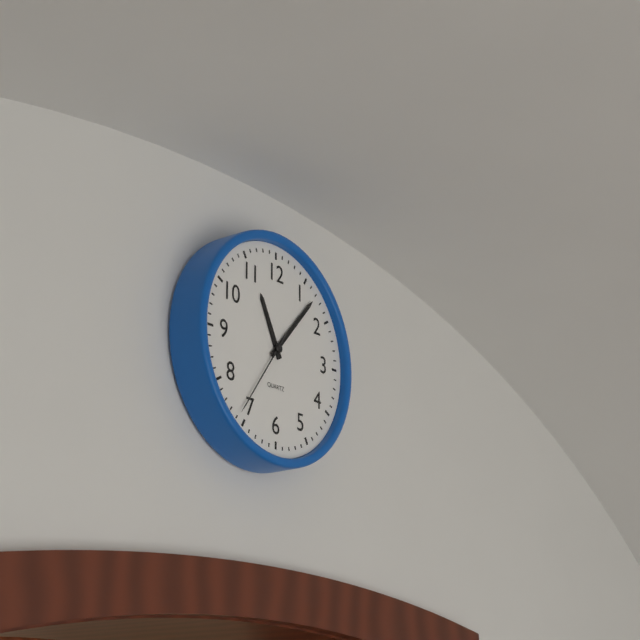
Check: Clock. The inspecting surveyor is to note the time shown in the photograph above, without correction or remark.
11:07:36
